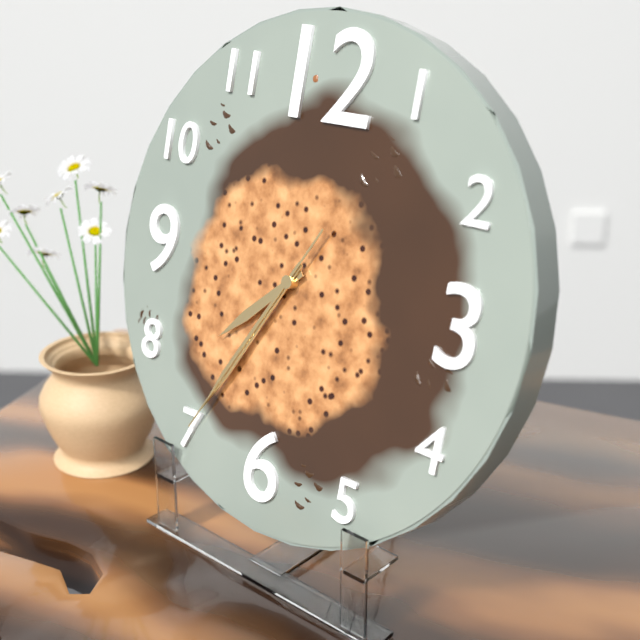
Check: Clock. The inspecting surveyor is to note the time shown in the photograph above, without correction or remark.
7:35:35
